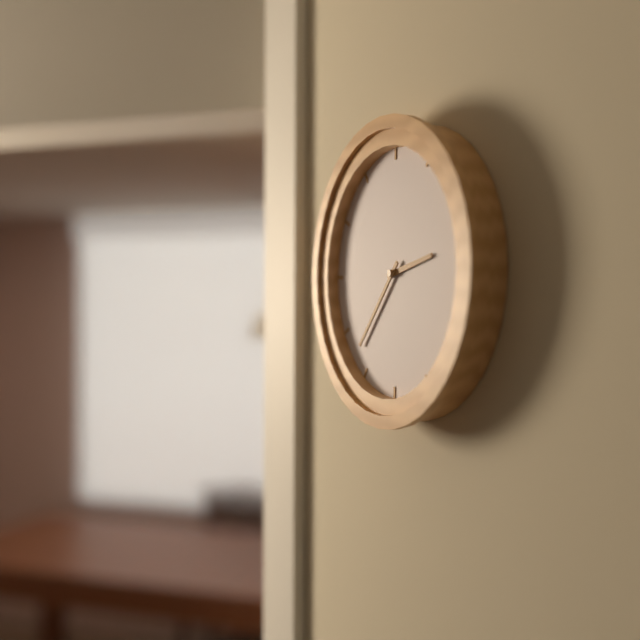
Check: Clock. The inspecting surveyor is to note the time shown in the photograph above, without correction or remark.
2:37
